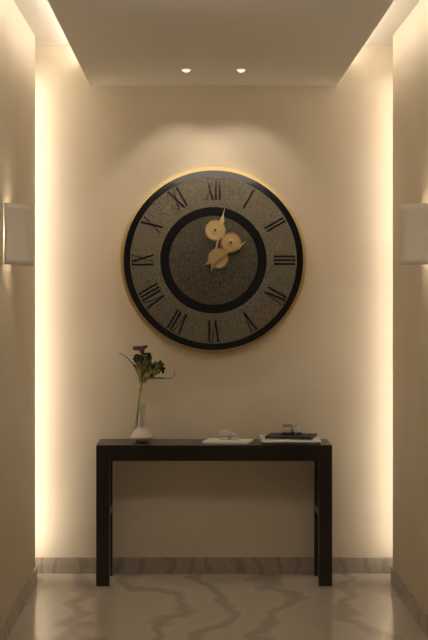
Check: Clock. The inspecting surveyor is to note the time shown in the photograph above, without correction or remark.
2:02
